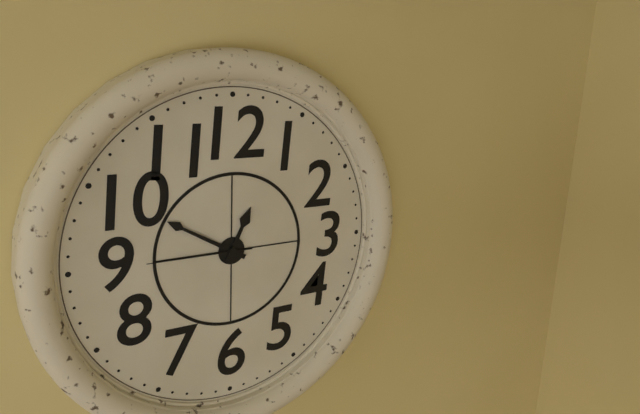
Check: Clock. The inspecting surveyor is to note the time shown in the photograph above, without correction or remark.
12:50:45
